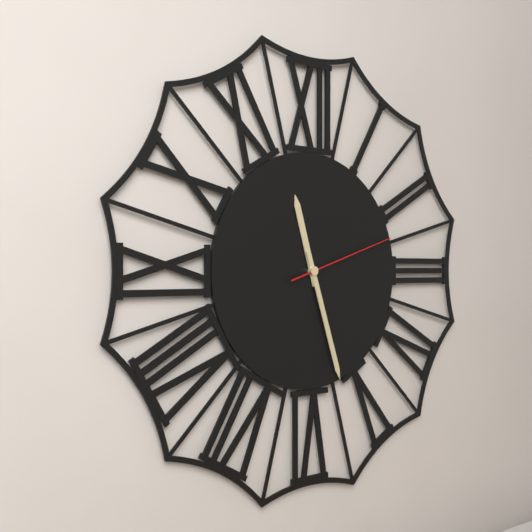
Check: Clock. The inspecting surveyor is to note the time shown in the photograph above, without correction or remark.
11:27:12
